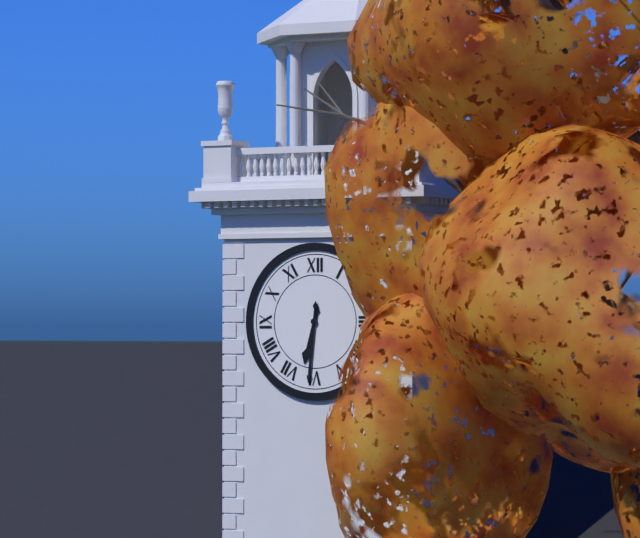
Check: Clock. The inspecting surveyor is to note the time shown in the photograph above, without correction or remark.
6:31
